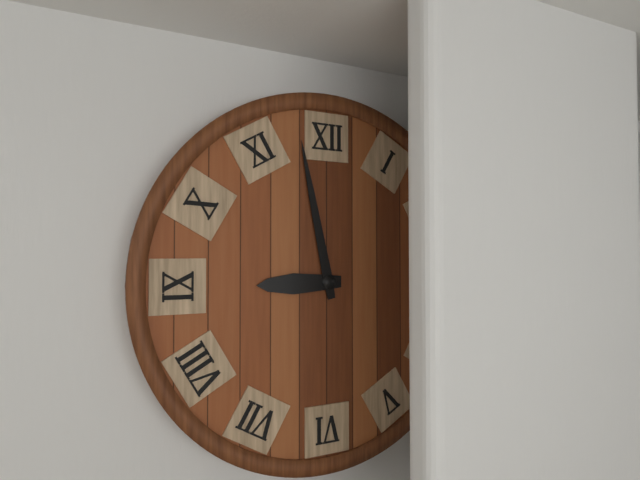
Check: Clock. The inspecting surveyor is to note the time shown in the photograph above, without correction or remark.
8:58
